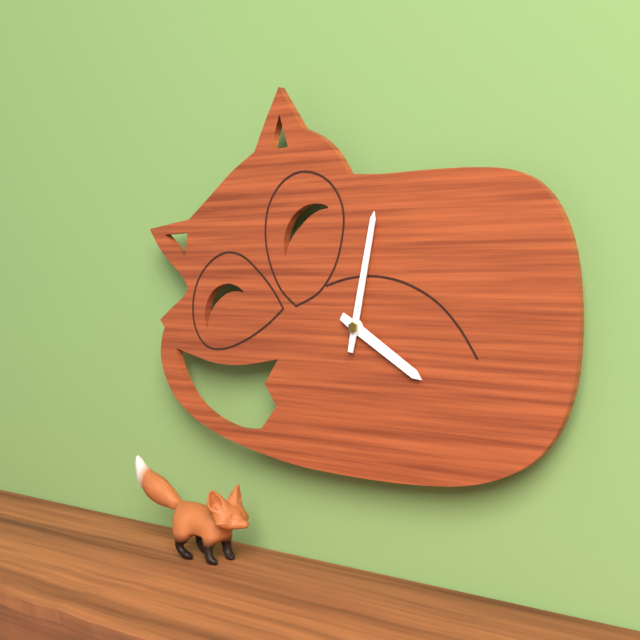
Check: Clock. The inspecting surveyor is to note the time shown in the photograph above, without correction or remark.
4:02
